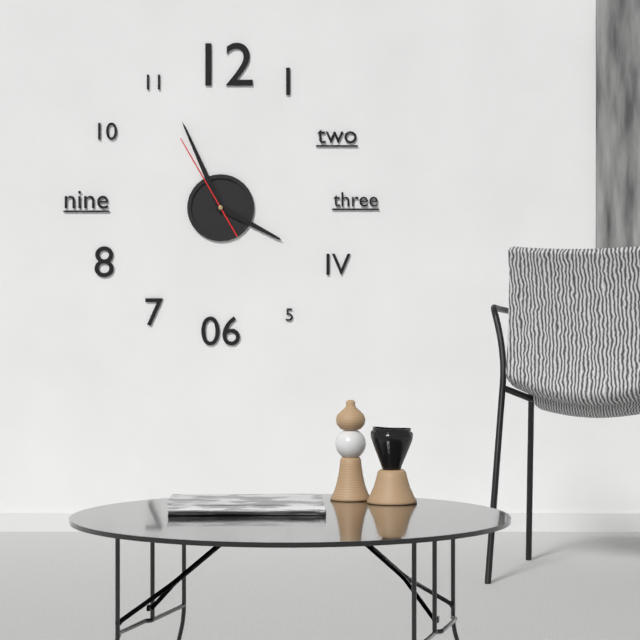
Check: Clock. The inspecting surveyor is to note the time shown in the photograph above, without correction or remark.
3:56:55
